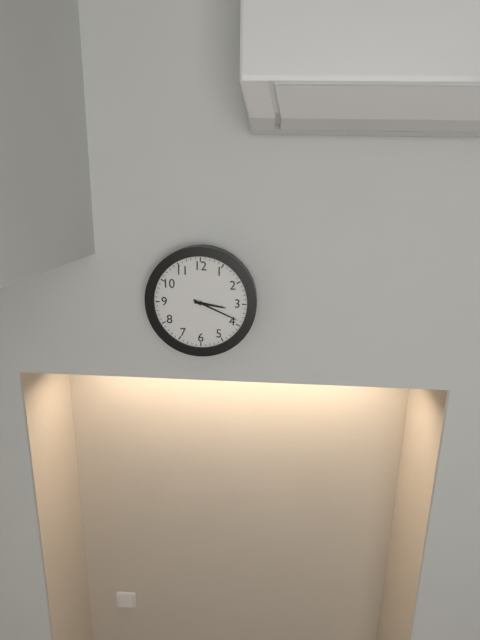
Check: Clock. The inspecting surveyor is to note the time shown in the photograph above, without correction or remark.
3:19
